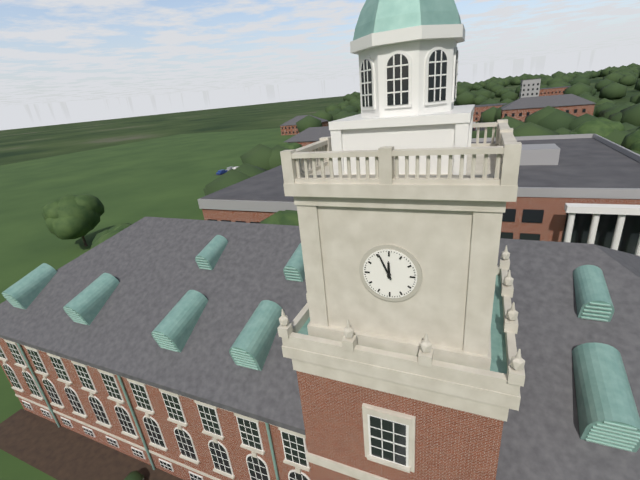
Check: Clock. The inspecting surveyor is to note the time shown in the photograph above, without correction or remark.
11:56
